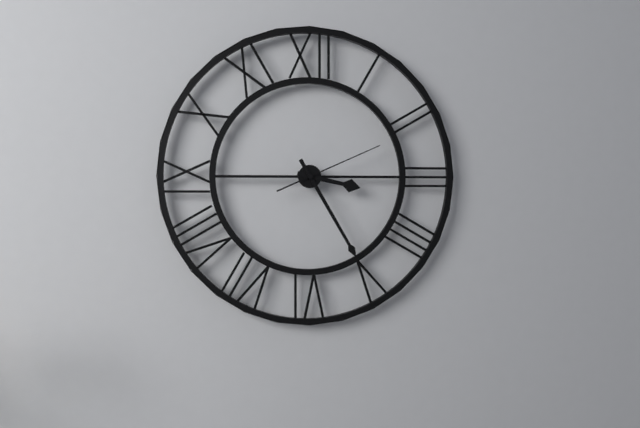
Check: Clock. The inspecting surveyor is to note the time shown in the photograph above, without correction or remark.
3:25:11
